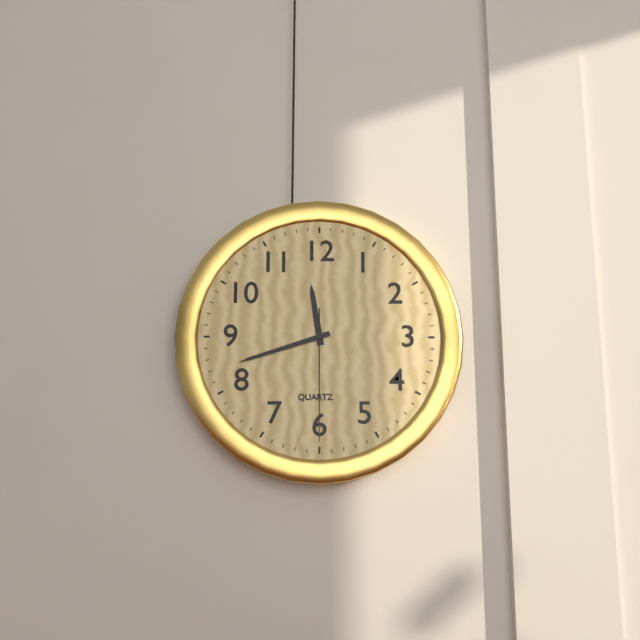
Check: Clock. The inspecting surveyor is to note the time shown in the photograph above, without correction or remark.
11:42:30
